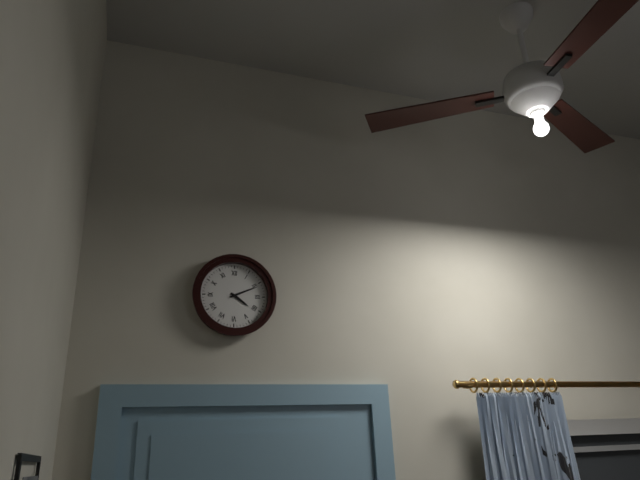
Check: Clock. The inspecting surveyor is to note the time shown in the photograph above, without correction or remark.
4:11
